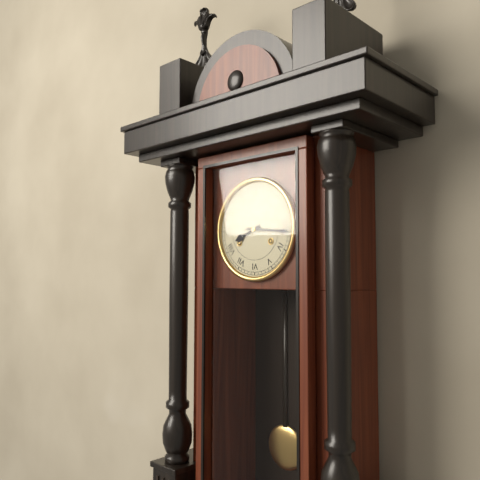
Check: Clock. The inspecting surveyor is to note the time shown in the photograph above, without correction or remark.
8:16
